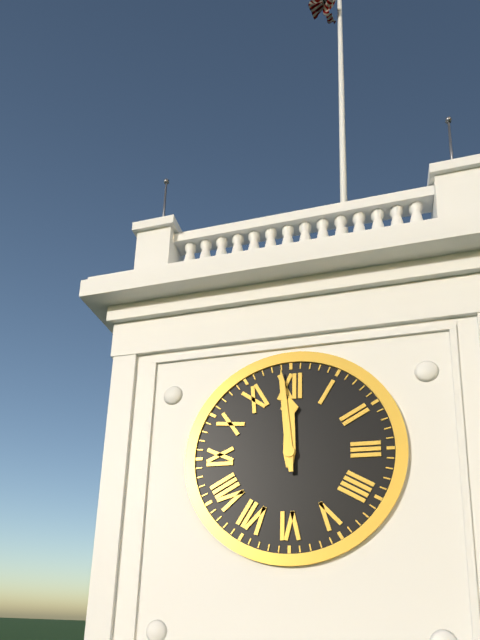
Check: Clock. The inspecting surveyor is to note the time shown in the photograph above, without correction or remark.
11:59
